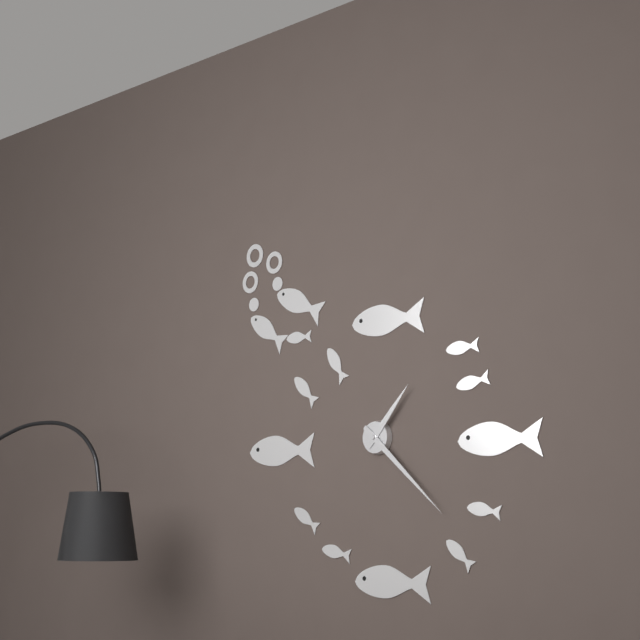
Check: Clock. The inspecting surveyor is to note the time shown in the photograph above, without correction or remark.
1:22
